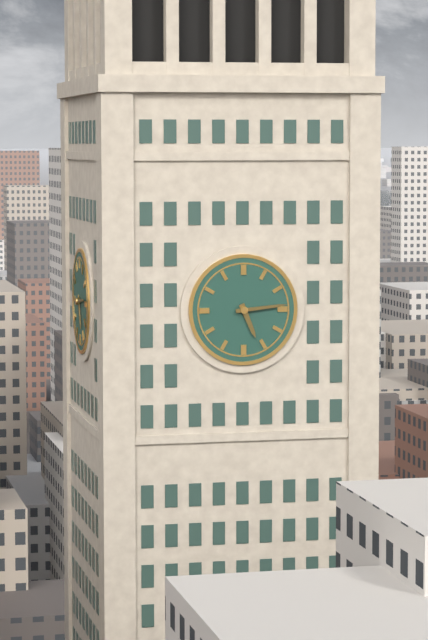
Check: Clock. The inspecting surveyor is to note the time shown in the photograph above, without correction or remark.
5:14
